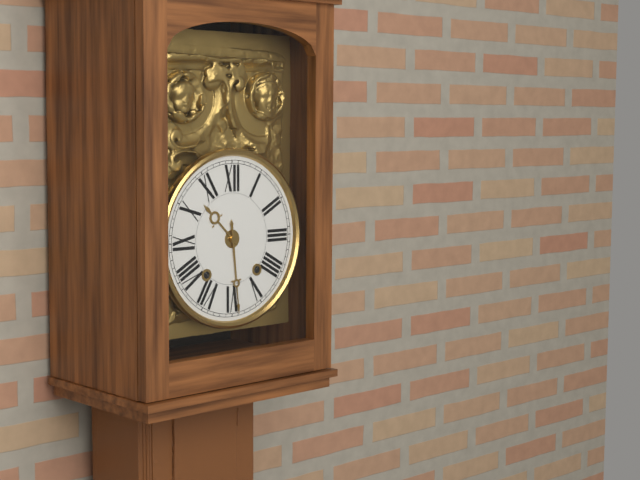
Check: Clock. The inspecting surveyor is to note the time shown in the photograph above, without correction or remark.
10:29
